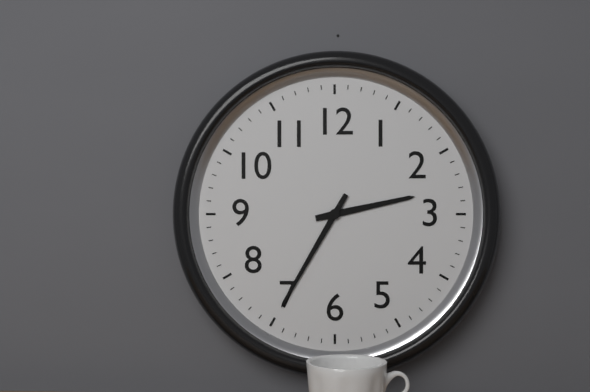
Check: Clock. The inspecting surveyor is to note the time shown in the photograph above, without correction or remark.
2:35
